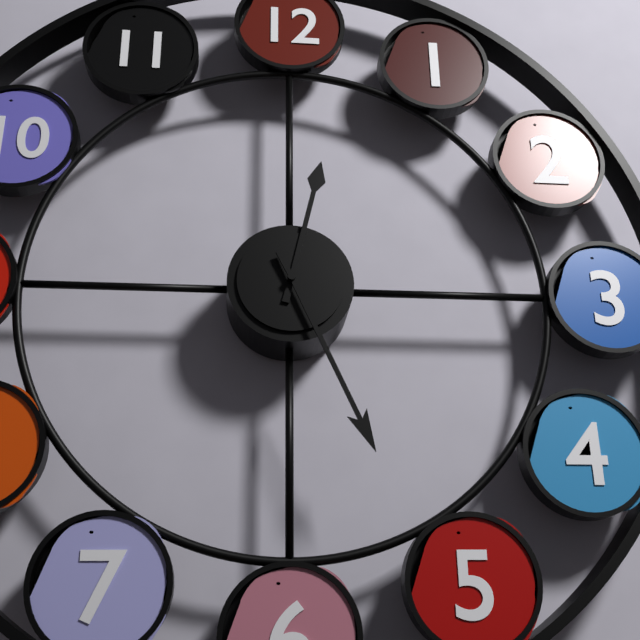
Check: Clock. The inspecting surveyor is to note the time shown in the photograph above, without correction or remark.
12:26
